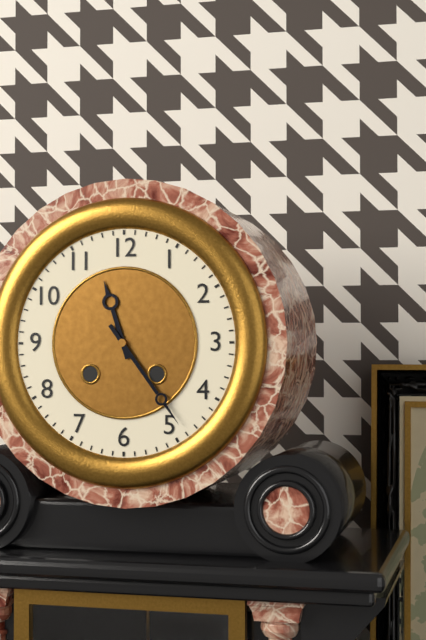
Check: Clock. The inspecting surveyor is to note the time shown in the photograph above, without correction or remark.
11:24
